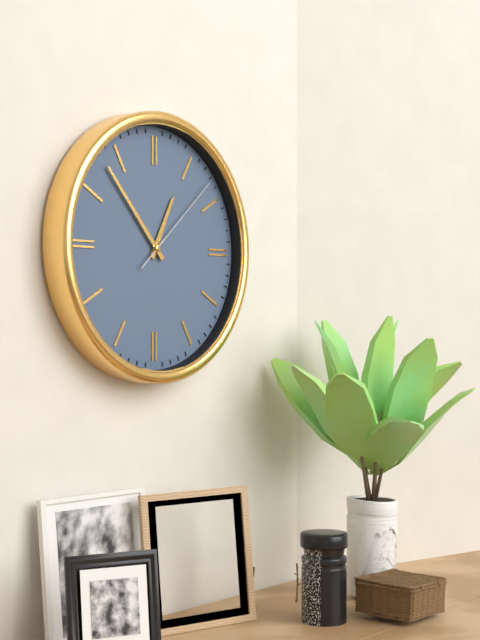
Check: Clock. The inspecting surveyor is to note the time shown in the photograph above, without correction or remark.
12:53:08
